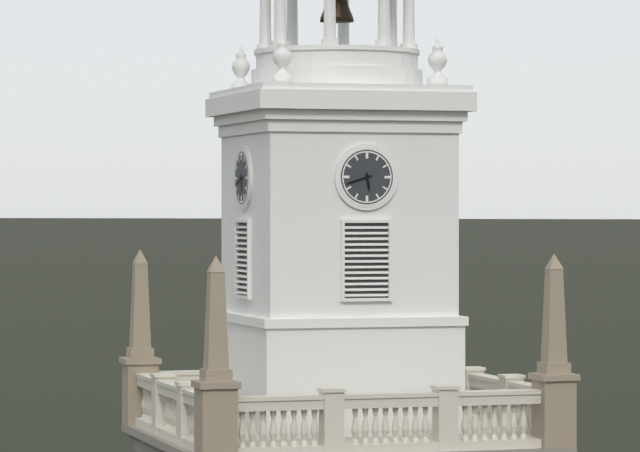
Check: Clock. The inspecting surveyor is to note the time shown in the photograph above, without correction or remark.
5:42
